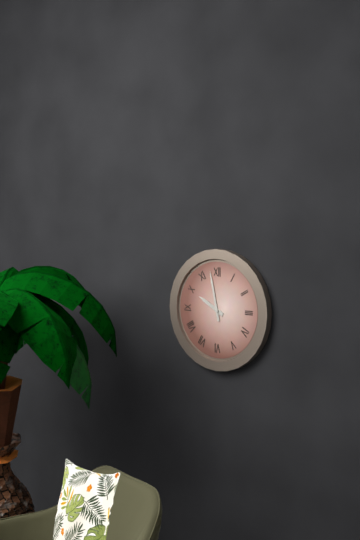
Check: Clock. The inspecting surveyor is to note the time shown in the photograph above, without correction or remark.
9:58
